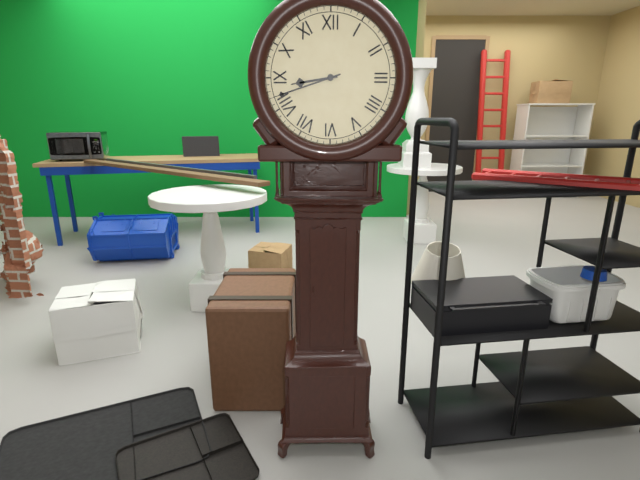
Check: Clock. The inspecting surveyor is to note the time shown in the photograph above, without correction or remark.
8:42
